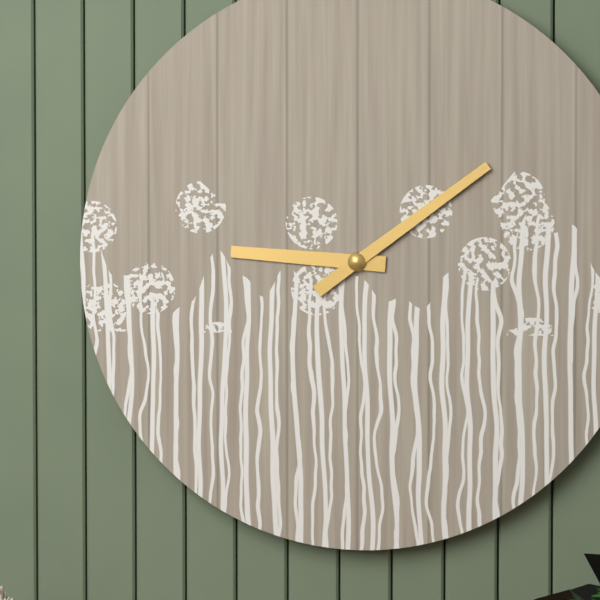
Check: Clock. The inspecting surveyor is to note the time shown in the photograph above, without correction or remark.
9:09
